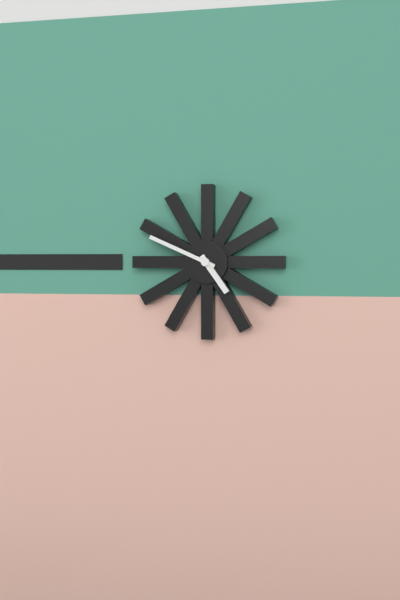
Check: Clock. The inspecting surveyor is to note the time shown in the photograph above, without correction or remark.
4:49
